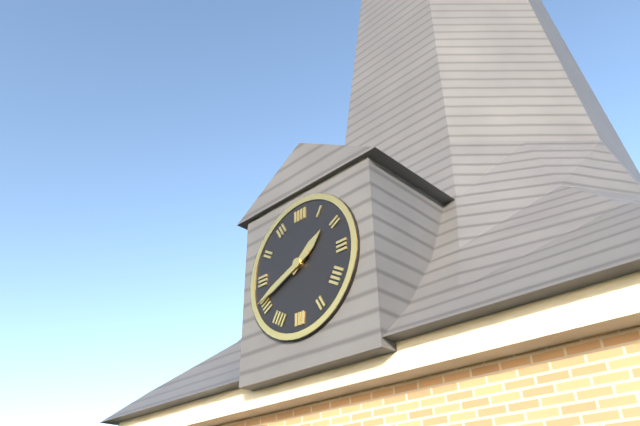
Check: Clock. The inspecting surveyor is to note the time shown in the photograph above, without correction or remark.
1:41
